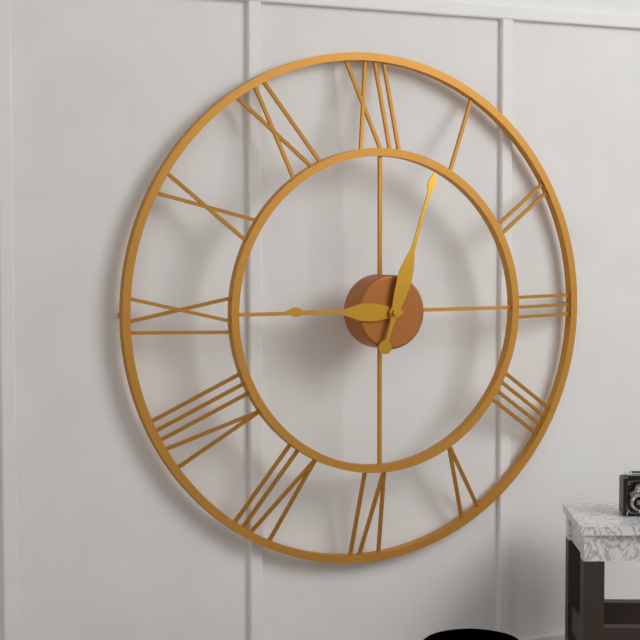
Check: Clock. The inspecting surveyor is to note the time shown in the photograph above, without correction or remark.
9:03
